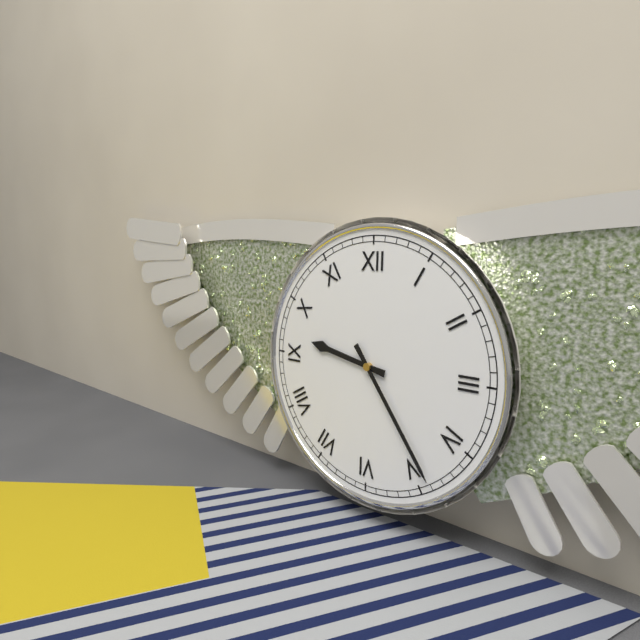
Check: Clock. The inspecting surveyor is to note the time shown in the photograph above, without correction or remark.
9:24
